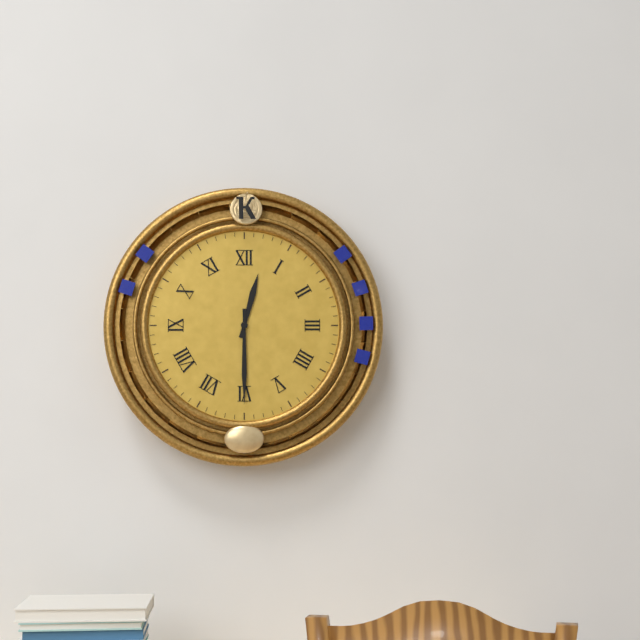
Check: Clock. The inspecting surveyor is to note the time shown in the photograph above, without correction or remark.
12:30
